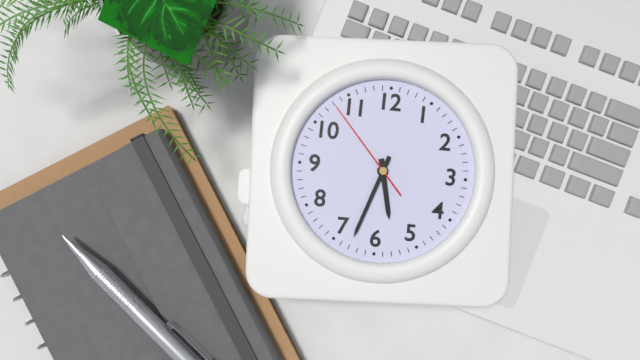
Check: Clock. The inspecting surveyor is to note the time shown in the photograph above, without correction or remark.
5:33:53
